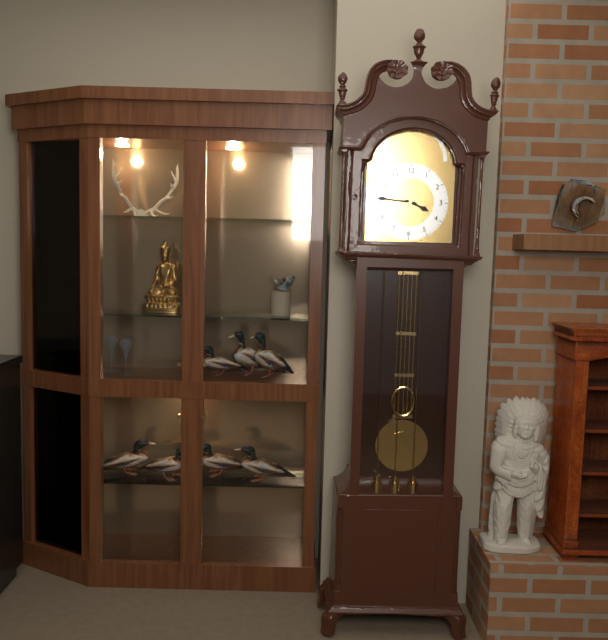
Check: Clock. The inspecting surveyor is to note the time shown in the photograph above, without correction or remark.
3:46
